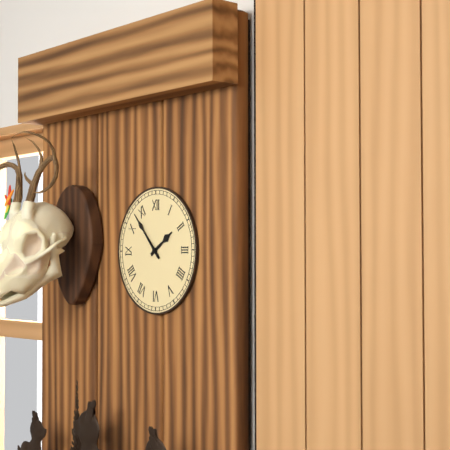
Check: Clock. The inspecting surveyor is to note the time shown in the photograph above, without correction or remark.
1:53
